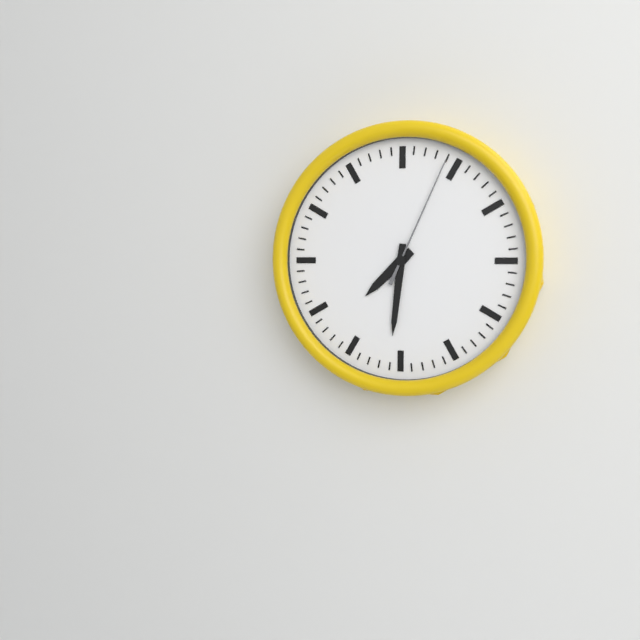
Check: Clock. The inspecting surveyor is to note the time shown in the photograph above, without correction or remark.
7:31:04
